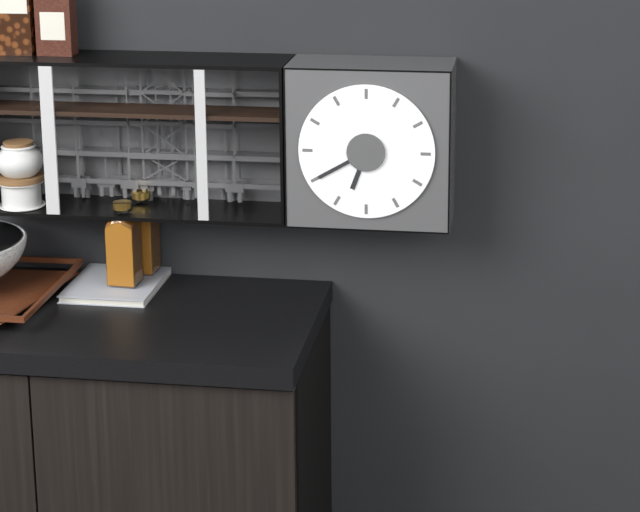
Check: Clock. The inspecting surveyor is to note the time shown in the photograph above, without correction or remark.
6:40
